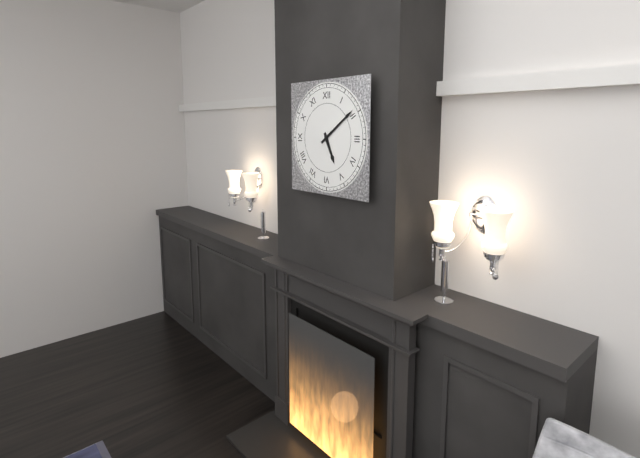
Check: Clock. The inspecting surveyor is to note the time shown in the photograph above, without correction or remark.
5:09
